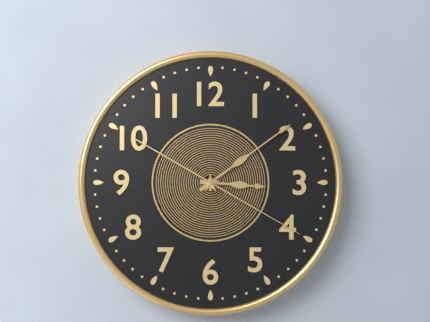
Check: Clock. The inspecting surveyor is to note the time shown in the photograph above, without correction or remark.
3:09:20
